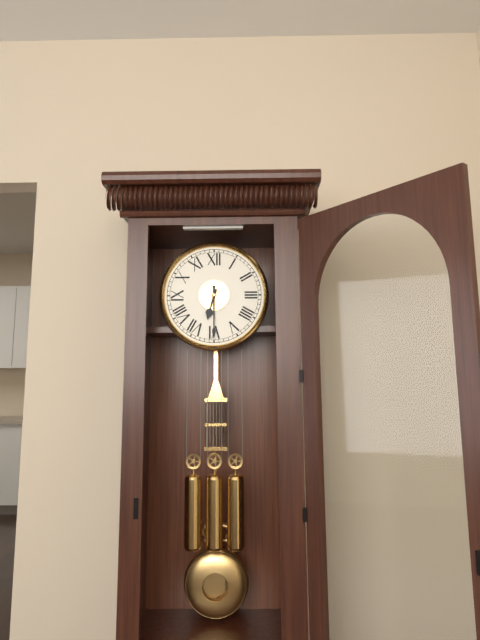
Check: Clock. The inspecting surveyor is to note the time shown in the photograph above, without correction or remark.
6:30
